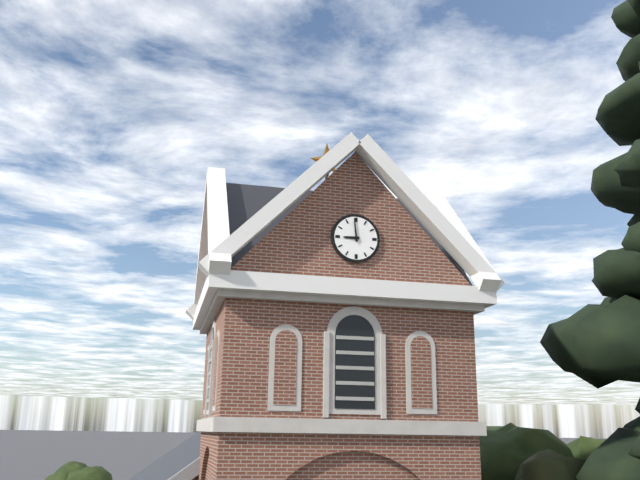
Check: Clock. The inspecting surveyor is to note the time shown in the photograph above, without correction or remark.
8:59
